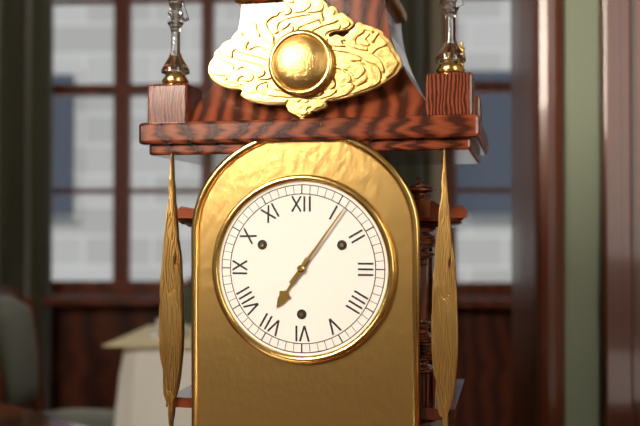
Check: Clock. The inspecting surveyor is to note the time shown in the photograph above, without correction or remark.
7:06
